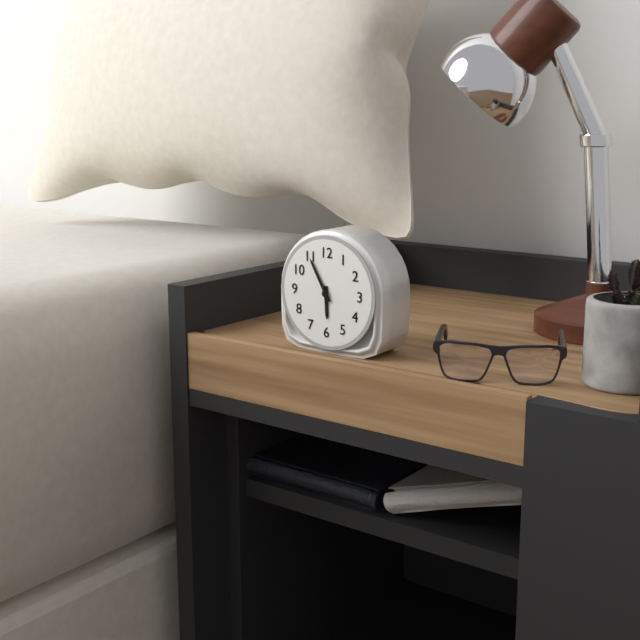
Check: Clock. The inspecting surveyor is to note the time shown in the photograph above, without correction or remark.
5:55
